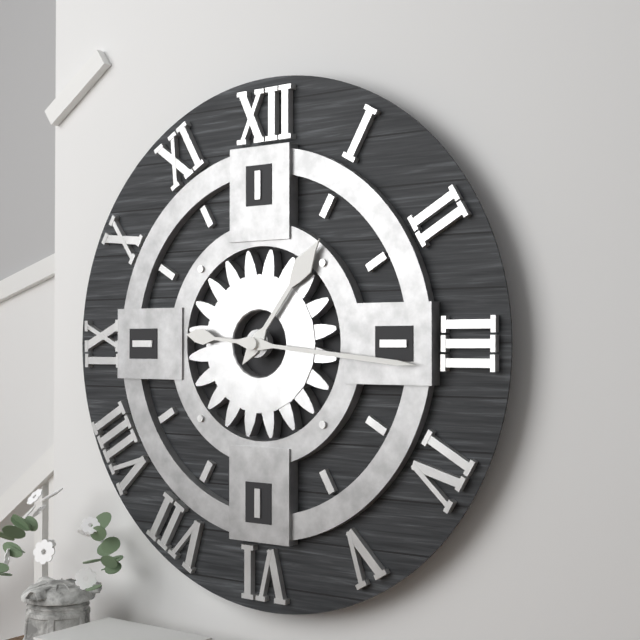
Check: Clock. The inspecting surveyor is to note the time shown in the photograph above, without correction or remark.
1:16
